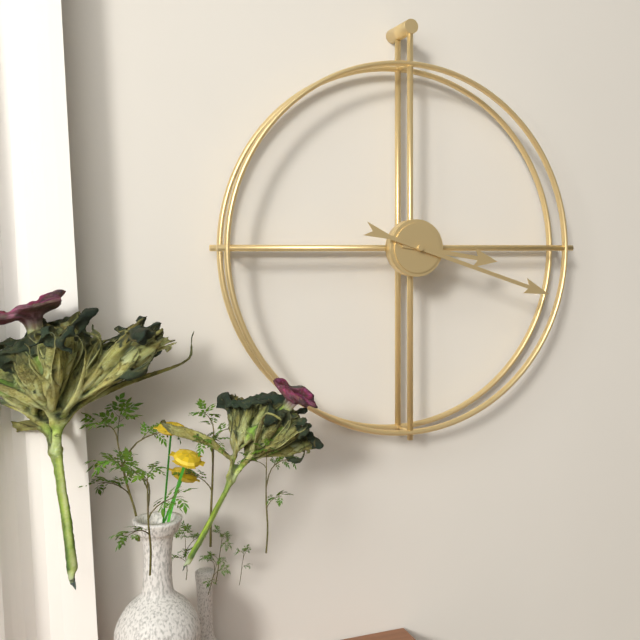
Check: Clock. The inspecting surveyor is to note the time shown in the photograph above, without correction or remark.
3:18
